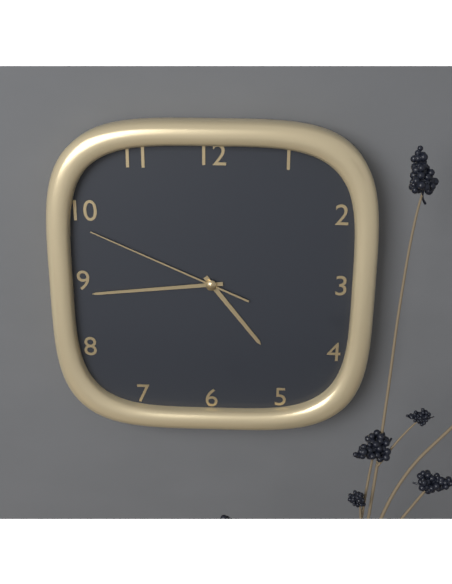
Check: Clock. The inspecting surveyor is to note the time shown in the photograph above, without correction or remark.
4:44:49
